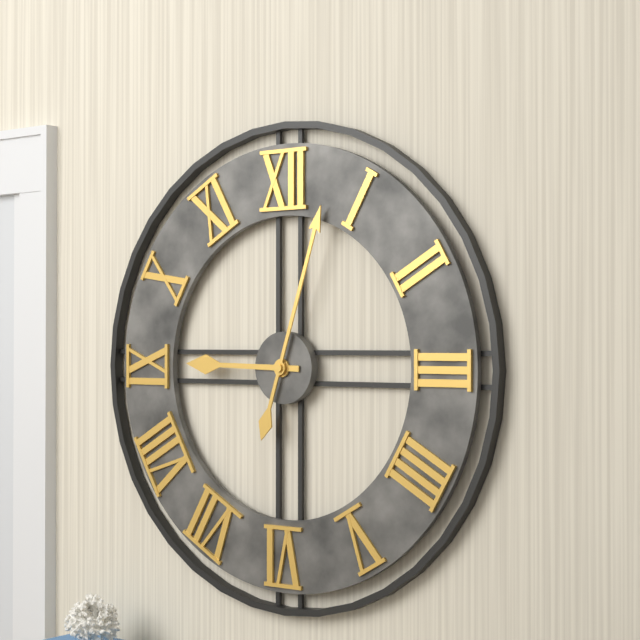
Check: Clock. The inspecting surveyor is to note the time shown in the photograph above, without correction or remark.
9:03
